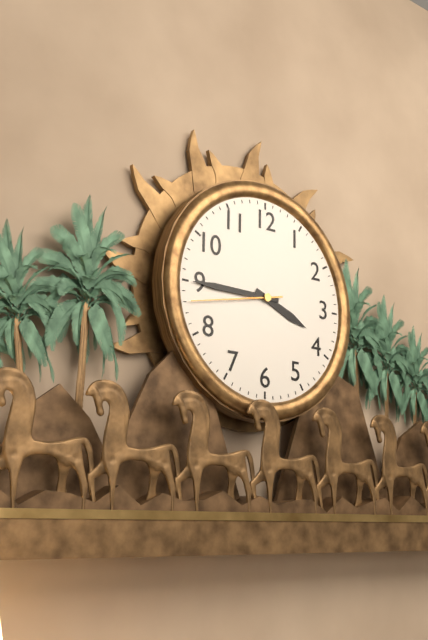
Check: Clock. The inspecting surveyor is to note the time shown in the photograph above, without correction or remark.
3:45:43
